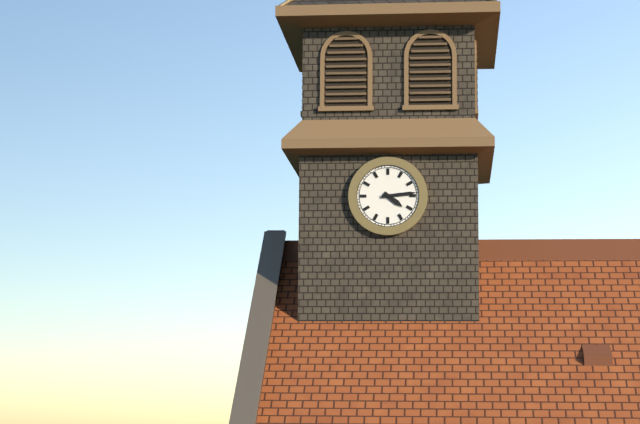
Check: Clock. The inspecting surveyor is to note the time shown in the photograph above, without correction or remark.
4:14
